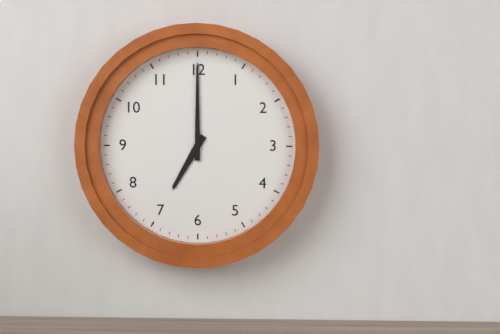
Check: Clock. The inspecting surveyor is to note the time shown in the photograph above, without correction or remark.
7:00
